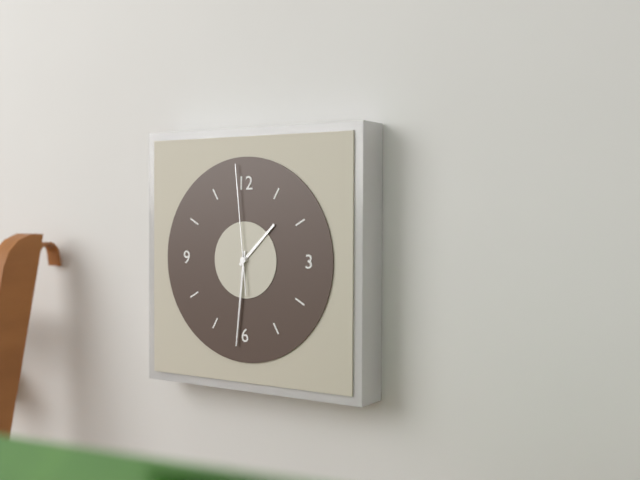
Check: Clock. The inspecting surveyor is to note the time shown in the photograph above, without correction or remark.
1:31:59
